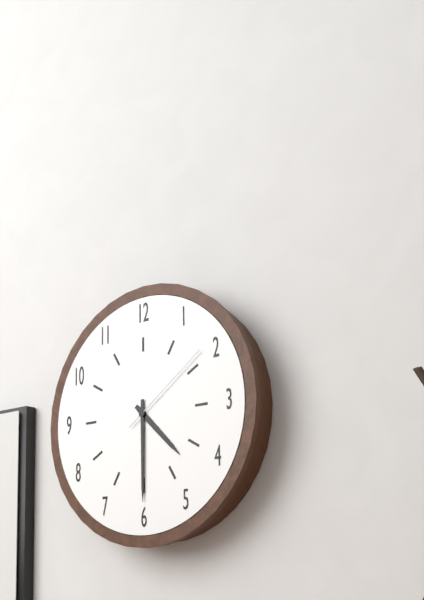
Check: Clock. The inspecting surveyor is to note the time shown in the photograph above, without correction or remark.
4:30:09
